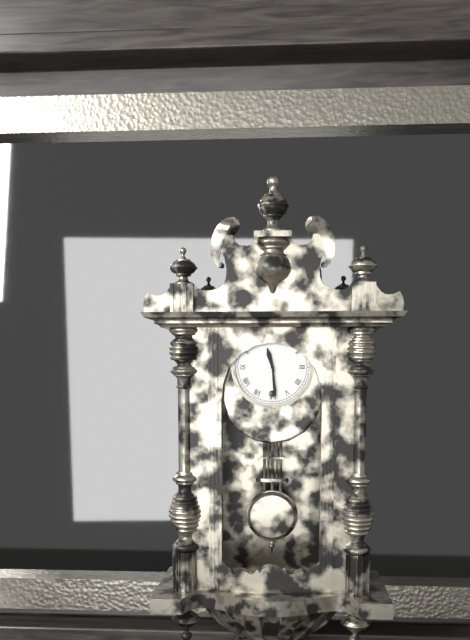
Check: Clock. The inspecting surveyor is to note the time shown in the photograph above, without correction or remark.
11:29
